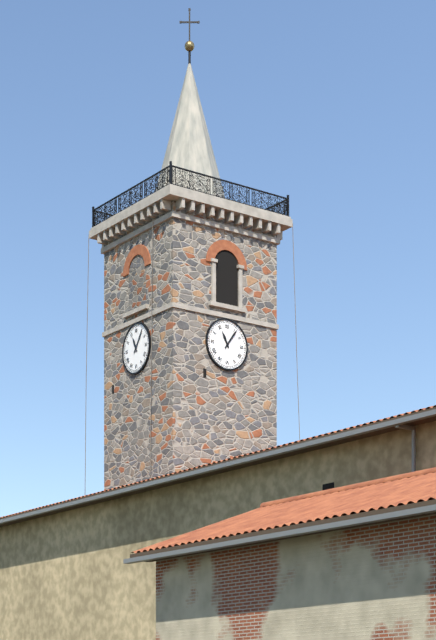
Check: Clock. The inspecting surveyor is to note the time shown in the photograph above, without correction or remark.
11:06
